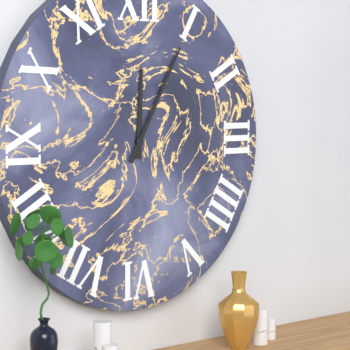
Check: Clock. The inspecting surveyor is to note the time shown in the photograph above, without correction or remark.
12:05
